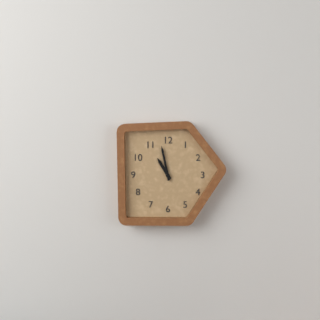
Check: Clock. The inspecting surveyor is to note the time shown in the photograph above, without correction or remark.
10:58
